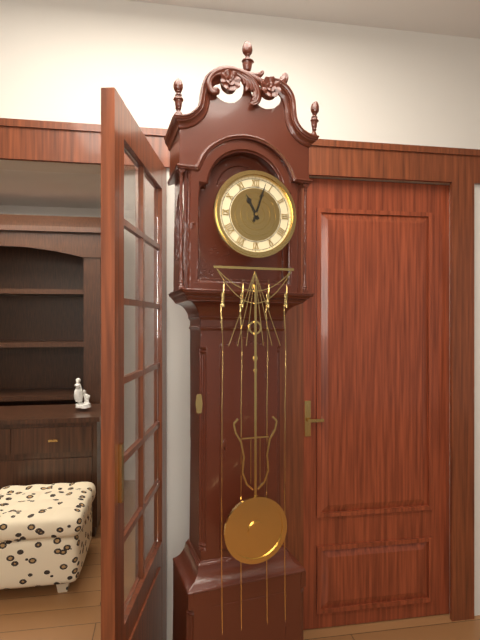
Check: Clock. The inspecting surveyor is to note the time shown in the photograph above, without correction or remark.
11:03
